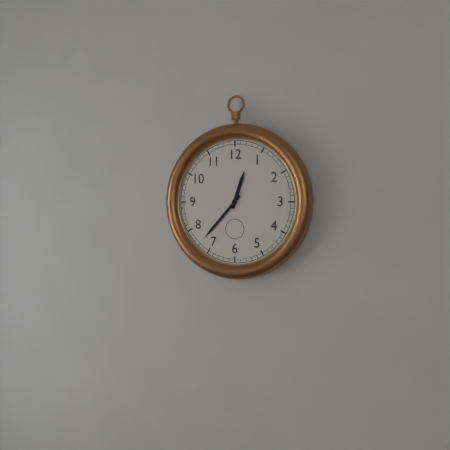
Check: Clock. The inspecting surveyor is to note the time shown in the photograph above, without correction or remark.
12:37
